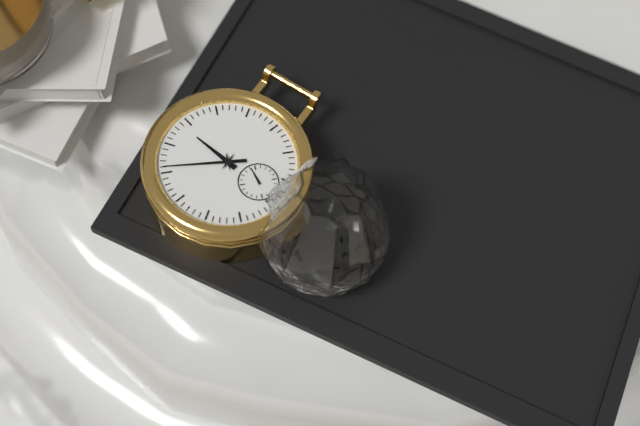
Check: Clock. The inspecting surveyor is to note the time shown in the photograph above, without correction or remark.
10:46
